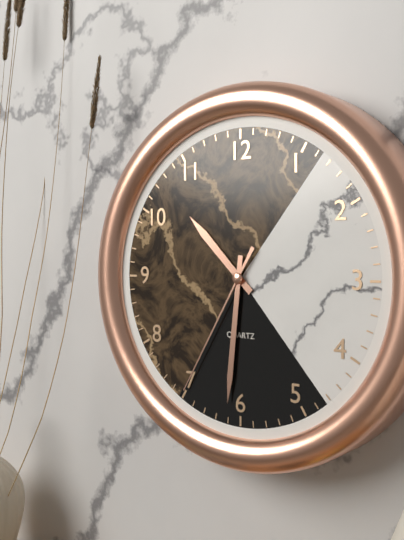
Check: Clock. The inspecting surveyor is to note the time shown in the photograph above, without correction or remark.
10:31:35
